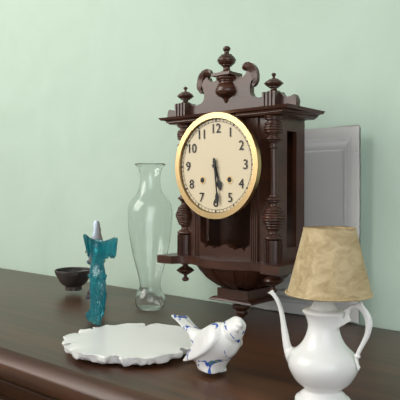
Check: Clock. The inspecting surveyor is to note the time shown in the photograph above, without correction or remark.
5:29
